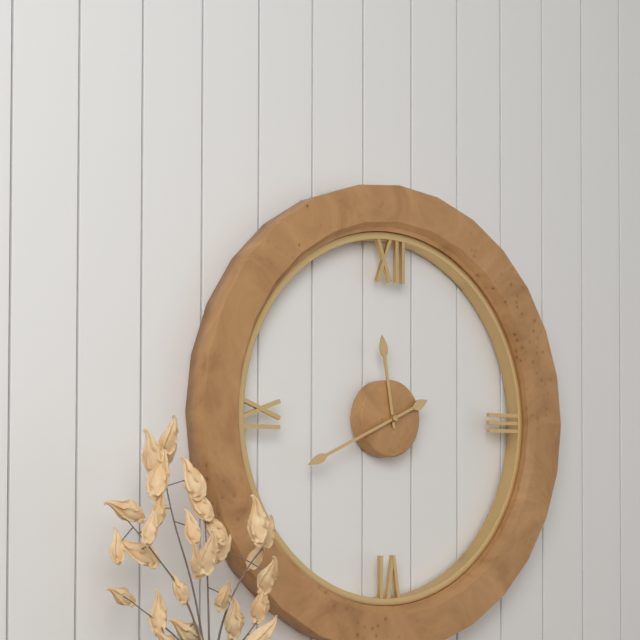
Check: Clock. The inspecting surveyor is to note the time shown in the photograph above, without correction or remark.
11:41
